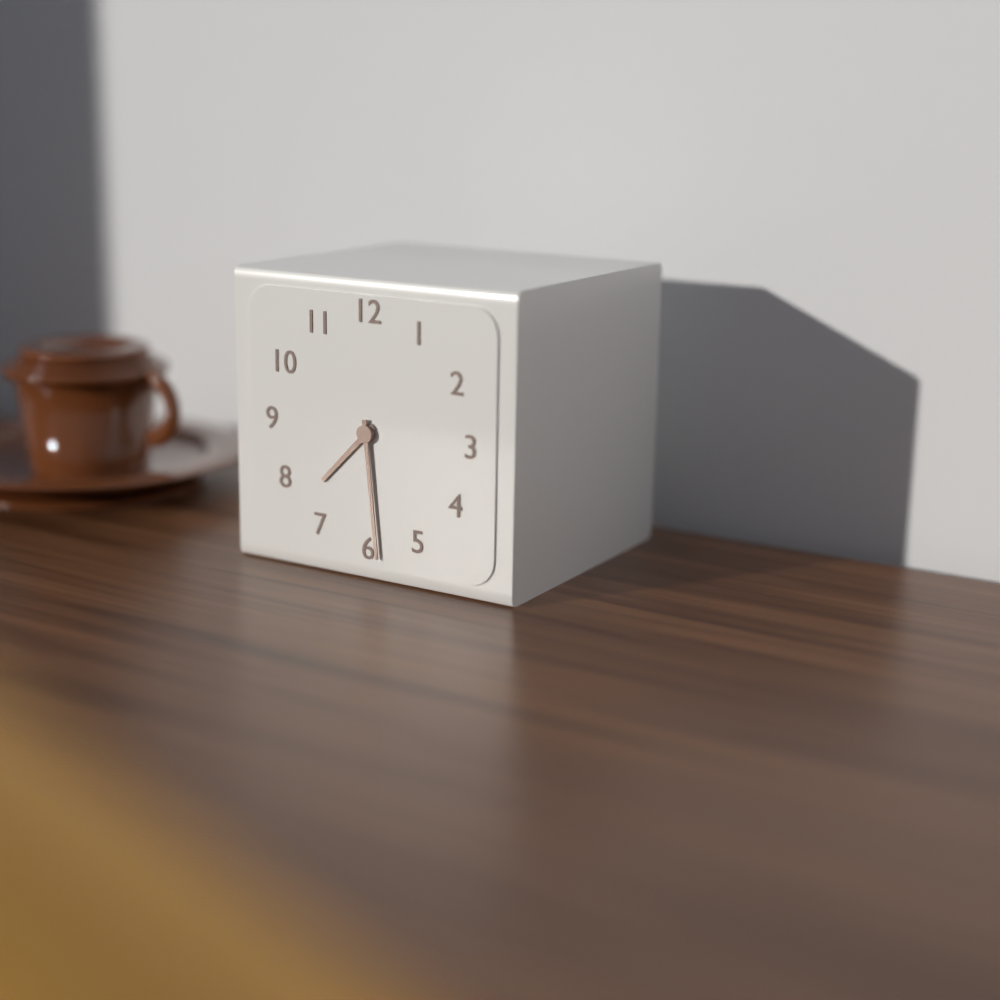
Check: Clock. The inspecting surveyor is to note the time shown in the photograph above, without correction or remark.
7:29
